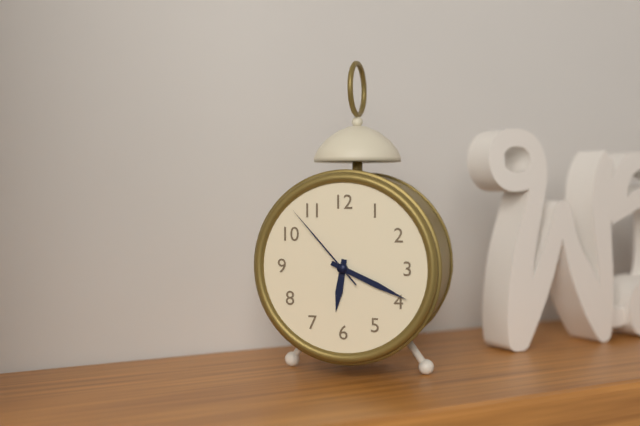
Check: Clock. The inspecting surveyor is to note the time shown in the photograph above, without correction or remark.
6:19:53
